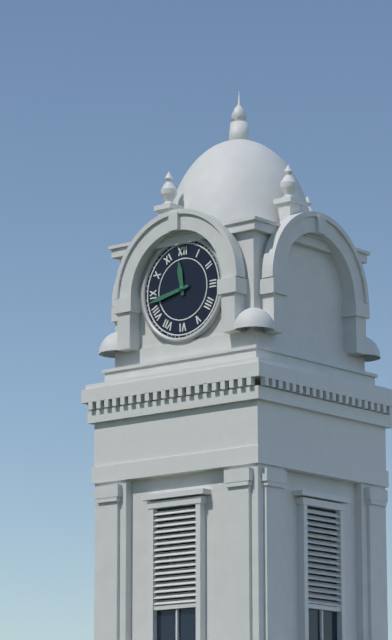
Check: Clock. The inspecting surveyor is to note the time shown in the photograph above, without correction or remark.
11:43
